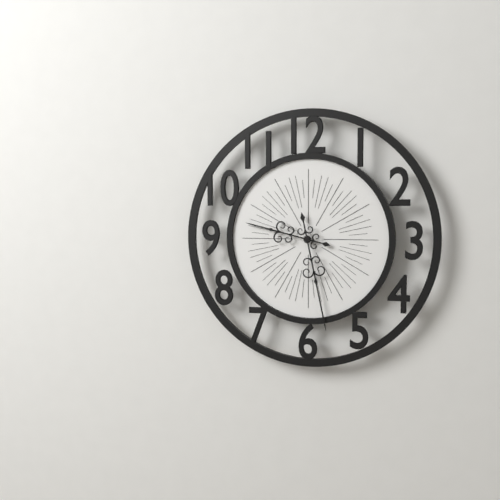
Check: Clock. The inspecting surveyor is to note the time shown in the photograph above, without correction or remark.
9:28
